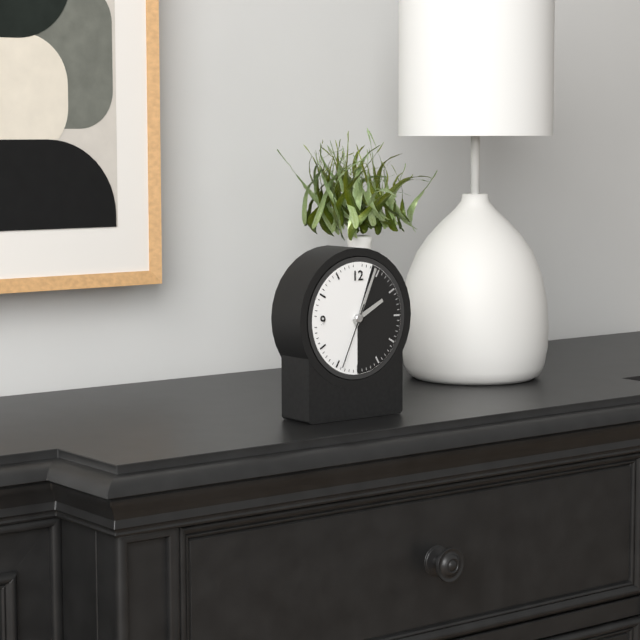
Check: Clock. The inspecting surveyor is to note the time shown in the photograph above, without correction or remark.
2:04:34
